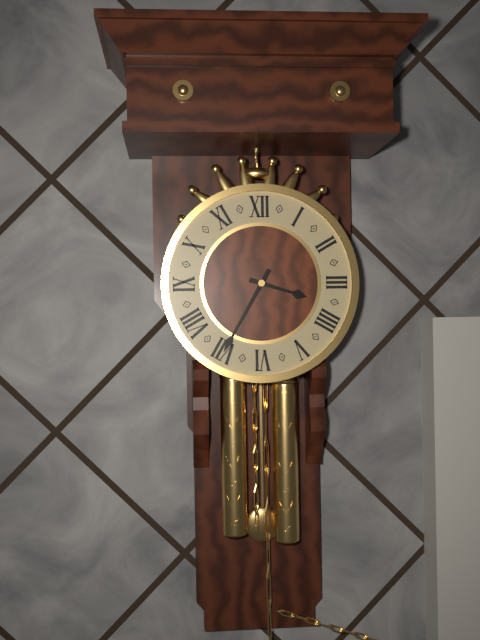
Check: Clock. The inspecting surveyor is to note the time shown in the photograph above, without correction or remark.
3:35
